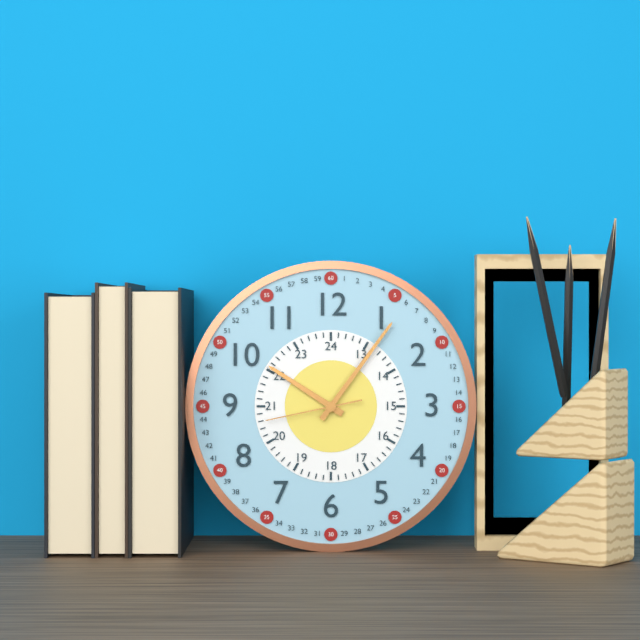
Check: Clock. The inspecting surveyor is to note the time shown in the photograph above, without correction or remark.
10:06:43
